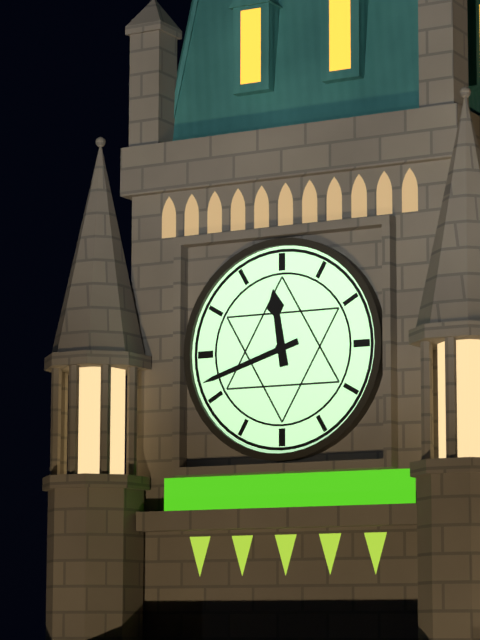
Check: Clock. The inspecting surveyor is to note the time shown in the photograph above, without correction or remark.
11:42
